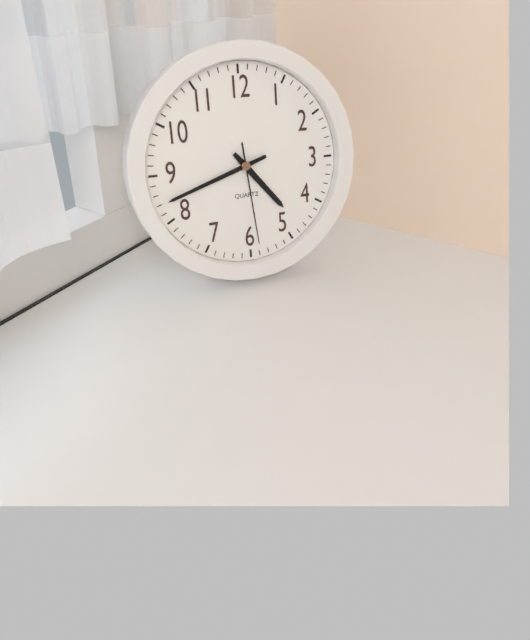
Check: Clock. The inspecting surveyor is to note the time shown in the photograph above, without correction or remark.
4:42:29
